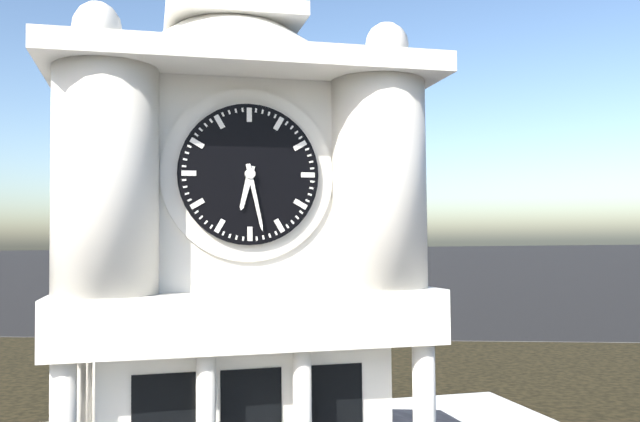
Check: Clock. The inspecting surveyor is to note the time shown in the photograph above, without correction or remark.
6:28
